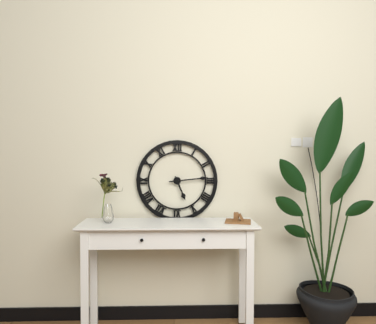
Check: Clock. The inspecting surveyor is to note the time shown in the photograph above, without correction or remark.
5:14
